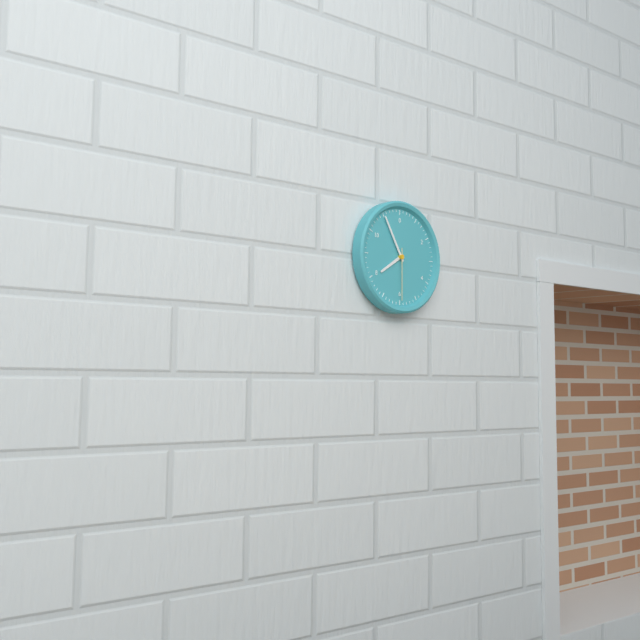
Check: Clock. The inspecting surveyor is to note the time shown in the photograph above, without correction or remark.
7:55:30
